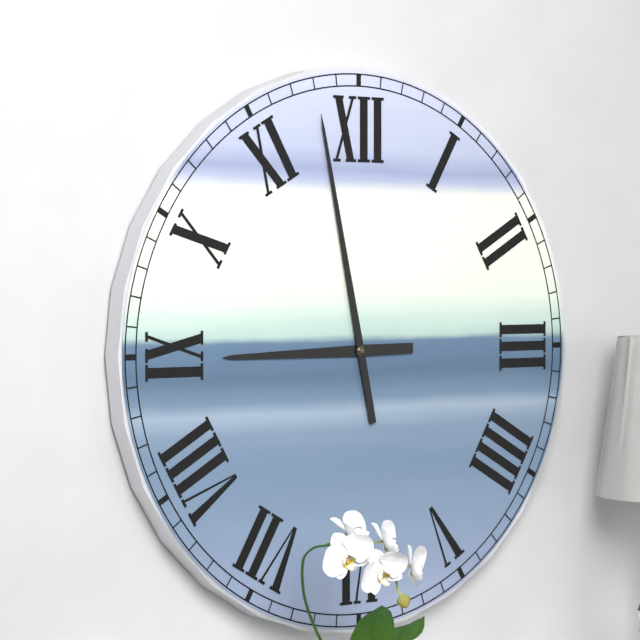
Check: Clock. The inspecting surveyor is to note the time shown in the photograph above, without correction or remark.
8:58
